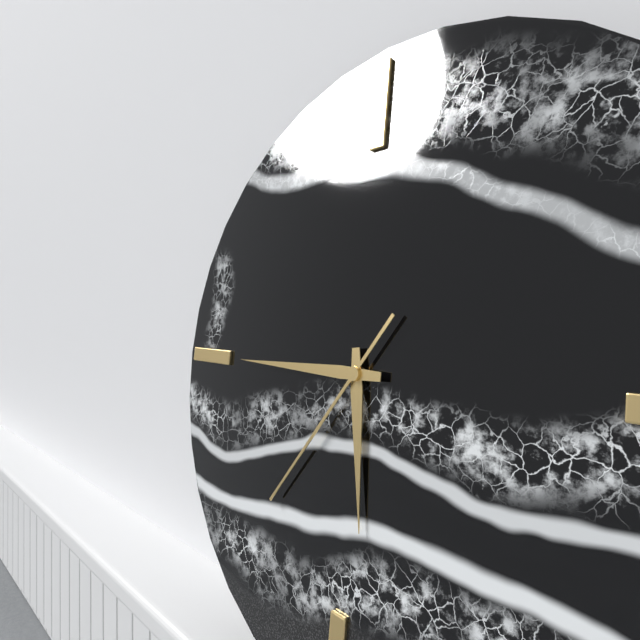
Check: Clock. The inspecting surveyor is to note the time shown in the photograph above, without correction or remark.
5:45:36
